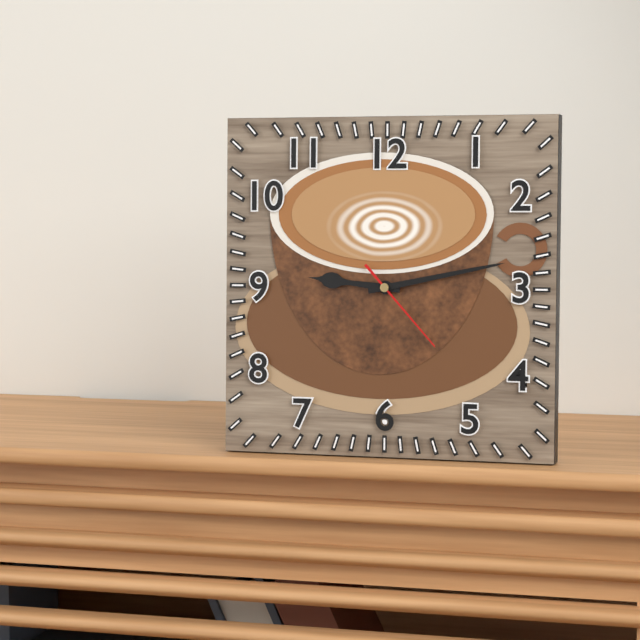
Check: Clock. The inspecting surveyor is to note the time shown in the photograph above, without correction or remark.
9:13:23
